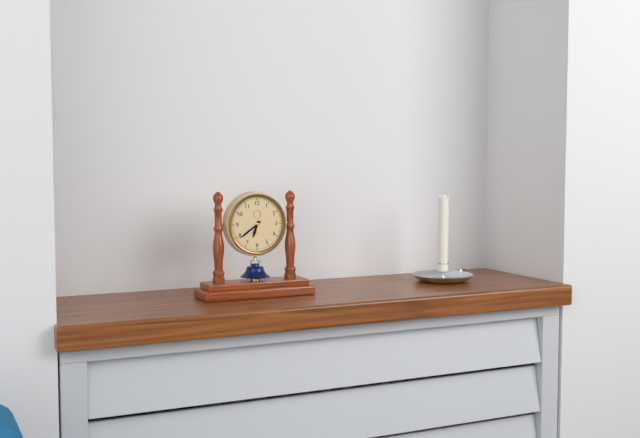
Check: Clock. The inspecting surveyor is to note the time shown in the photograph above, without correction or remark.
6:39
